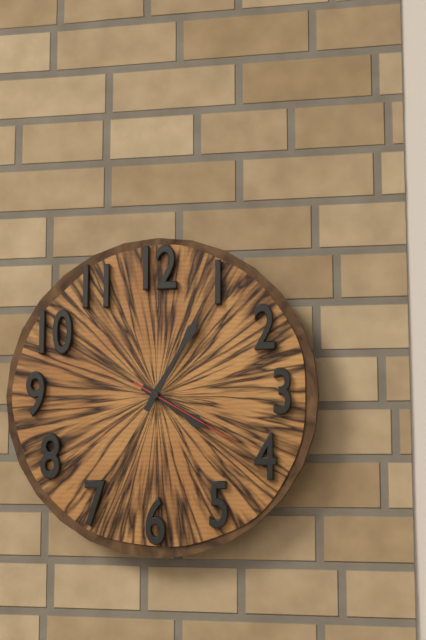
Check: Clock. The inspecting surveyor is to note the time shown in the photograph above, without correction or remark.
4:05:20
